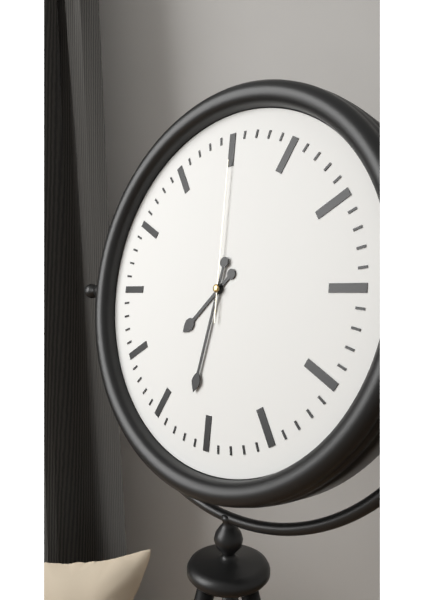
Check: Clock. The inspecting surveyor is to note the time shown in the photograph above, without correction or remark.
7:32:00
